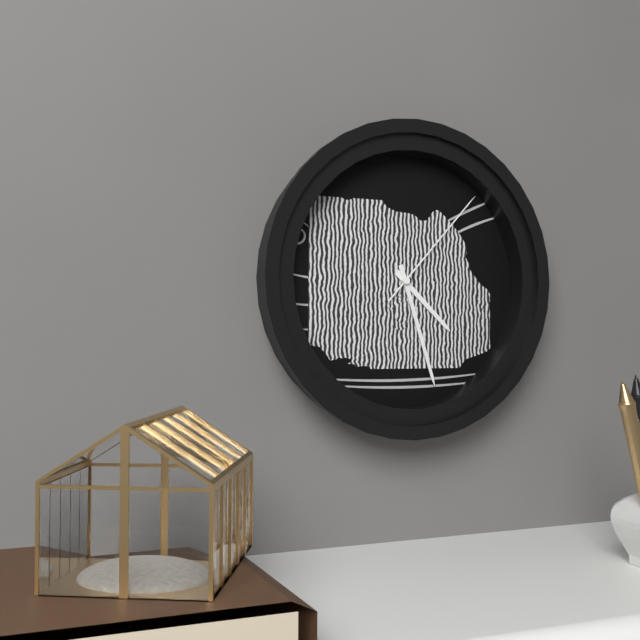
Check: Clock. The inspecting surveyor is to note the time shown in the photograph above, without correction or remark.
4:27:07
